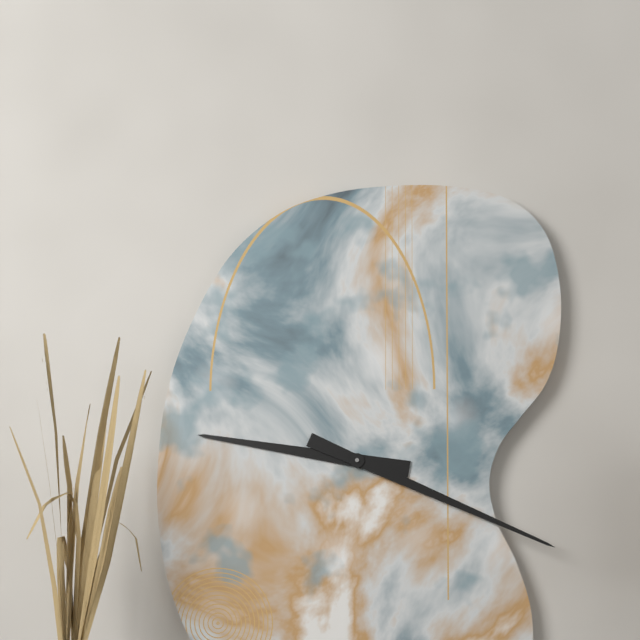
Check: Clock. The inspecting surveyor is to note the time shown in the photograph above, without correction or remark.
9:19
